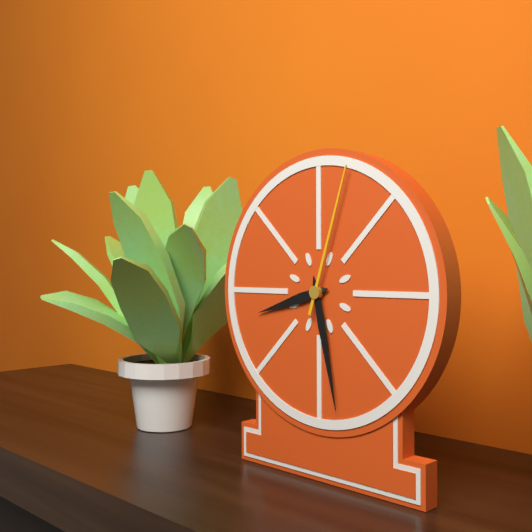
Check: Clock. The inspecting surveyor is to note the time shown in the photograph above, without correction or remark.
8:28:03
